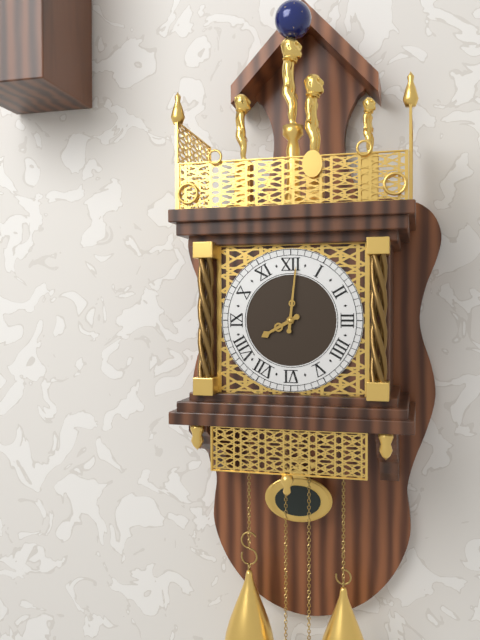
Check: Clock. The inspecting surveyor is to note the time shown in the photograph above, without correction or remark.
8:01
